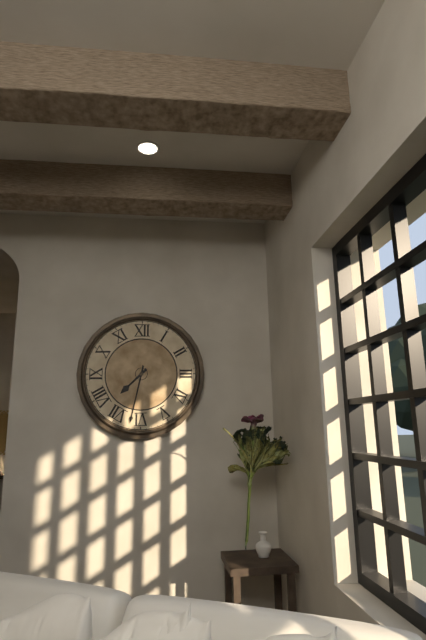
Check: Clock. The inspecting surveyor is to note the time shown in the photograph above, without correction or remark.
7:32
